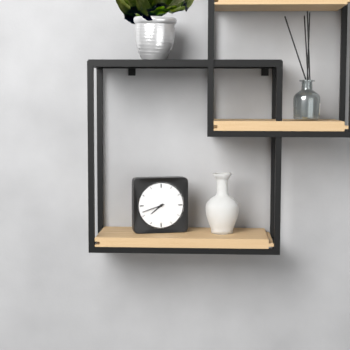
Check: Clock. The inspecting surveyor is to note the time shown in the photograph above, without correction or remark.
7:42
